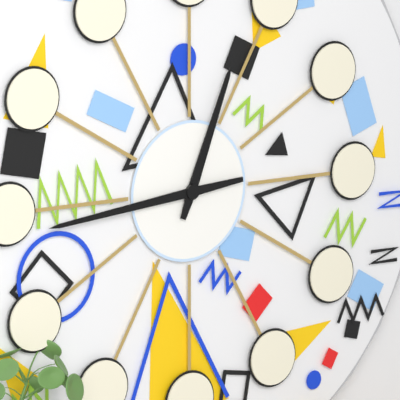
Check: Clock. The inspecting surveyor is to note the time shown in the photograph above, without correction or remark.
12:44
